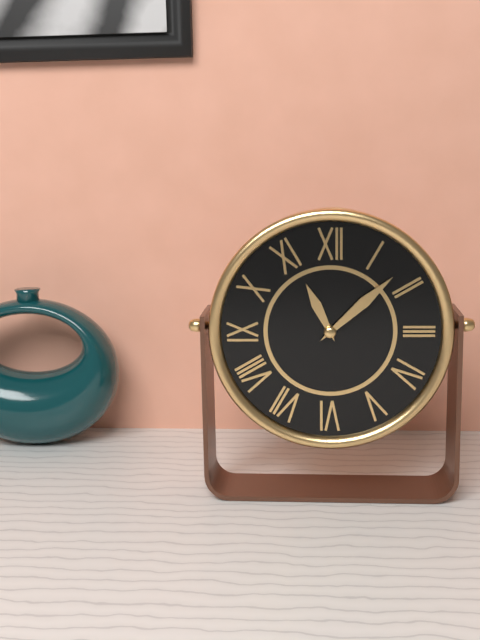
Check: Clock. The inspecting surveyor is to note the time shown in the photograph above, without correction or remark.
11:08
